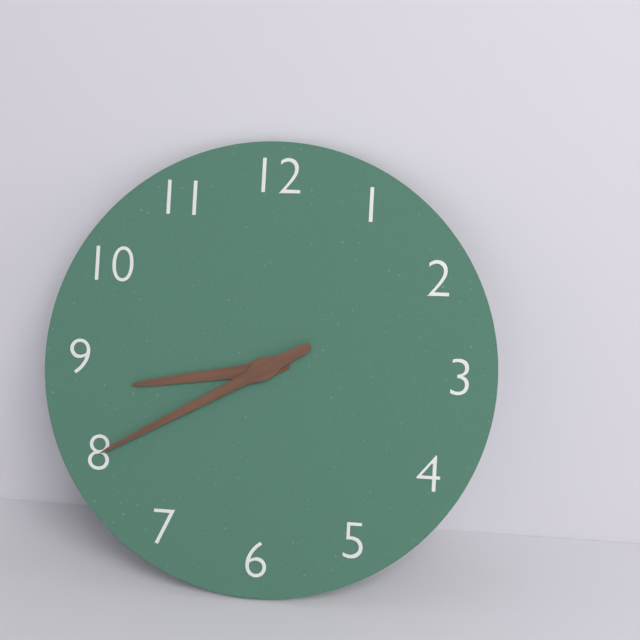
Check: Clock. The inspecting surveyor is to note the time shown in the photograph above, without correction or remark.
8:40
